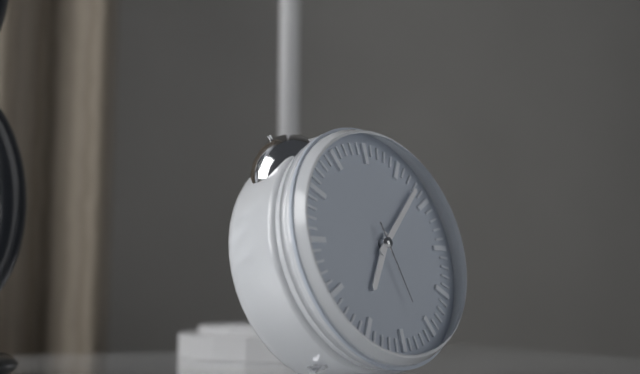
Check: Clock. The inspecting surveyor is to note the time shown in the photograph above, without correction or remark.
7:08:27
